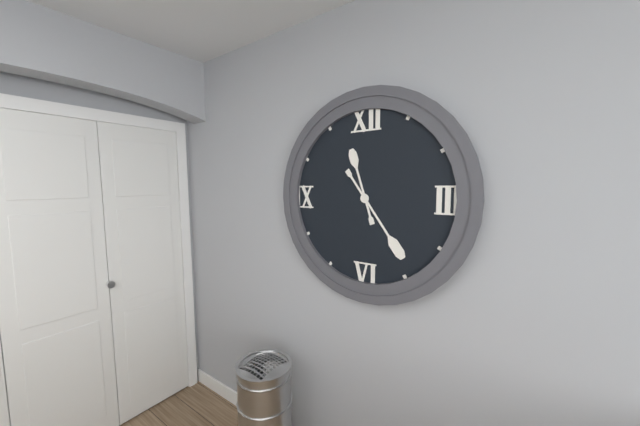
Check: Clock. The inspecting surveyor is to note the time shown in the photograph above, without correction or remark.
11:24
